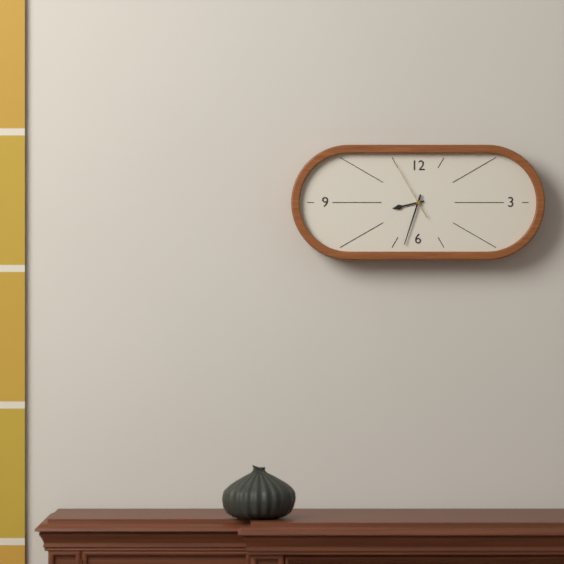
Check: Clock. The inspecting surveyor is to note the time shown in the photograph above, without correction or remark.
8:33:55
